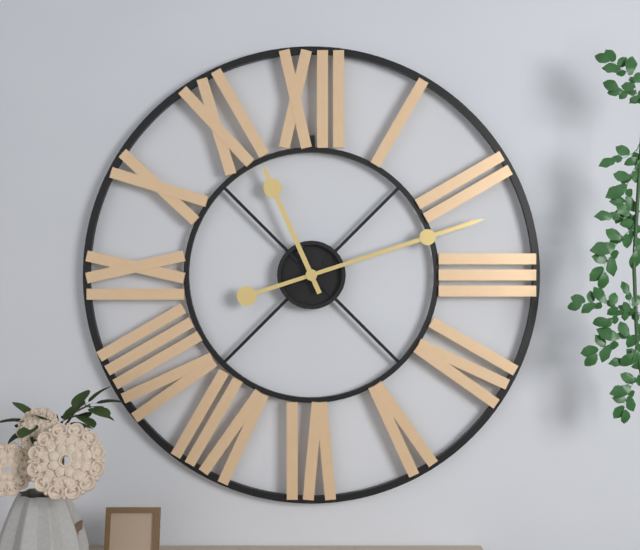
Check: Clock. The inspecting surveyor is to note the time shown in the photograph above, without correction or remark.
11:12
